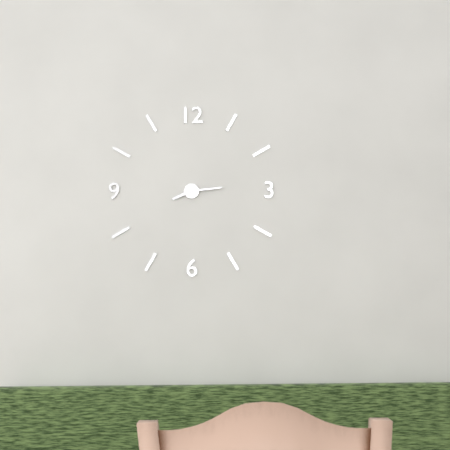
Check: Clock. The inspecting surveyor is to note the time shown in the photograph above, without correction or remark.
8:14
